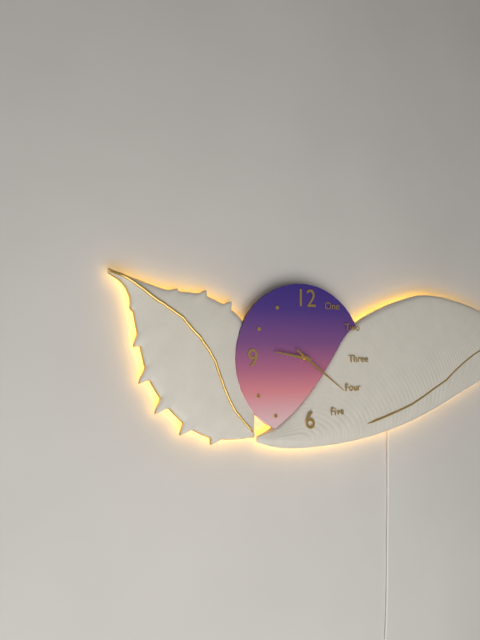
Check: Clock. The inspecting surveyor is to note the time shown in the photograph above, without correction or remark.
9:21
